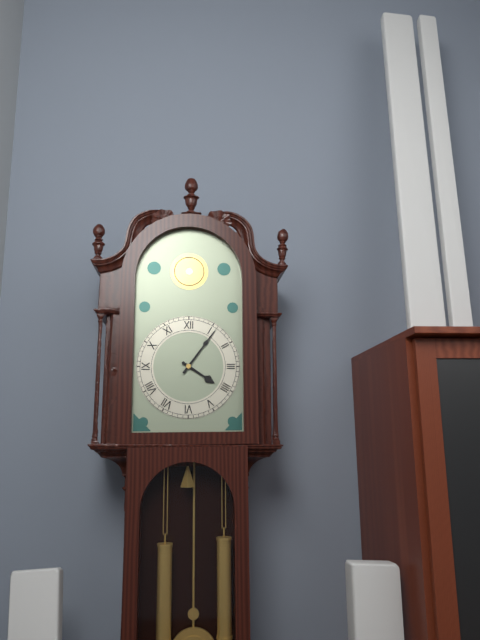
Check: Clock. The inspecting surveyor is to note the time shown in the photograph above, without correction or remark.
4:06
